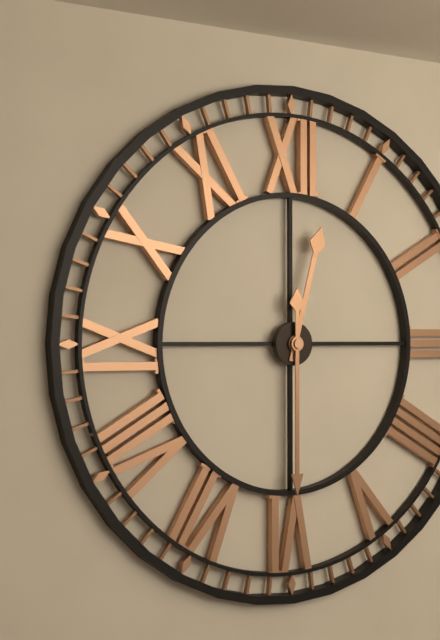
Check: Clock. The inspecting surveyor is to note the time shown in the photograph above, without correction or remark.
12:30
